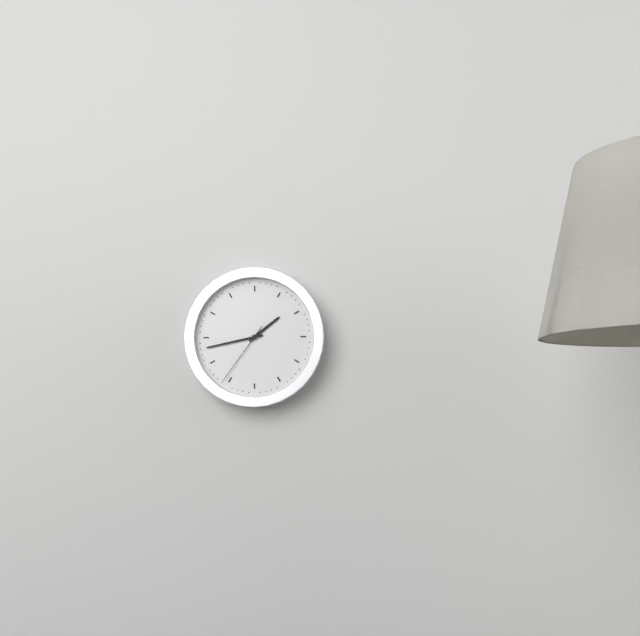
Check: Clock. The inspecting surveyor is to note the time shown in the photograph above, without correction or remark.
1:43:36
